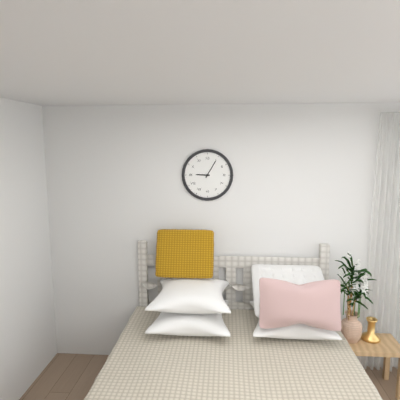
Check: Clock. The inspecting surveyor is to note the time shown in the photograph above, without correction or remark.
9:05
